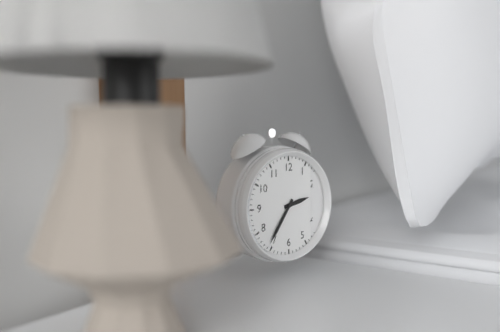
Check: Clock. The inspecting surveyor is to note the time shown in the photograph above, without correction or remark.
2:36
